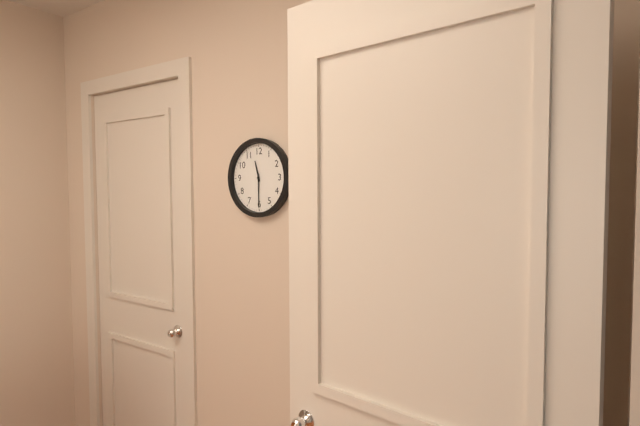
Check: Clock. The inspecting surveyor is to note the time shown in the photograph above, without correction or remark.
11:30
